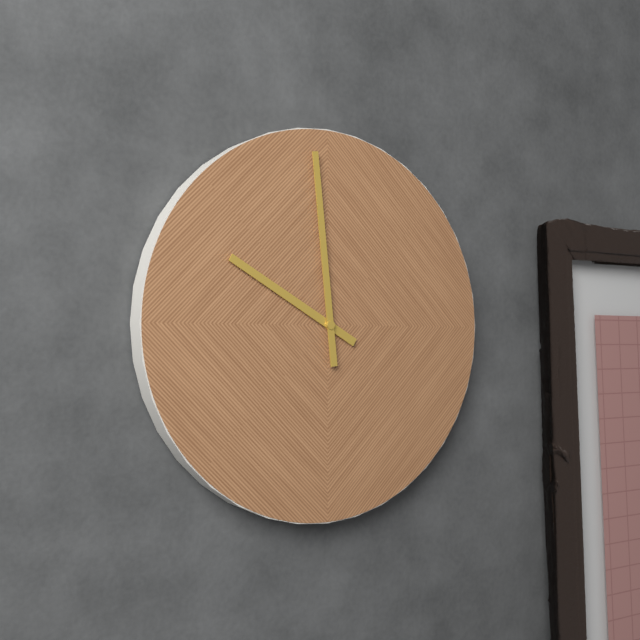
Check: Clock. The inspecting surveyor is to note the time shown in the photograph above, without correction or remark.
9:59
